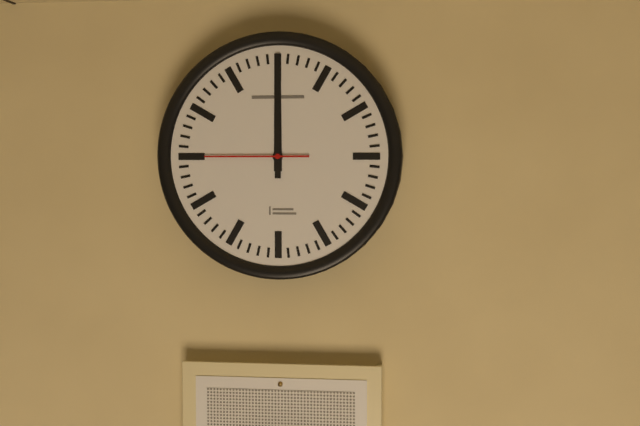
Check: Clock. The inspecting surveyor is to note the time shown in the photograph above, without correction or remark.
12:00:45
